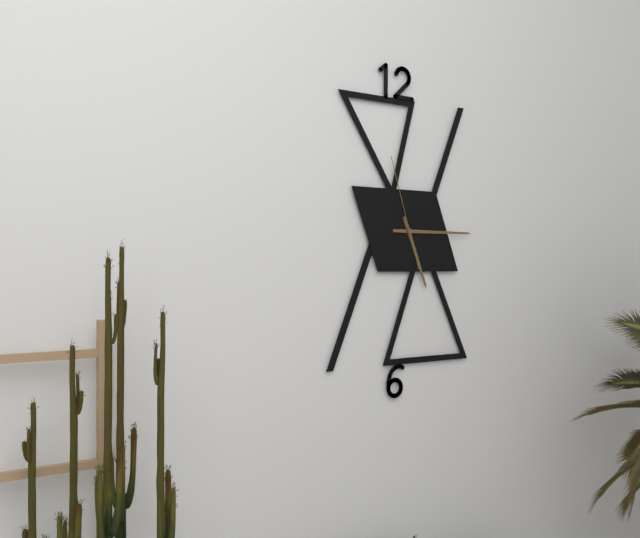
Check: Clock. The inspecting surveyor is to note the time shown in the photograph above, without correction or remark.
5:15:57
